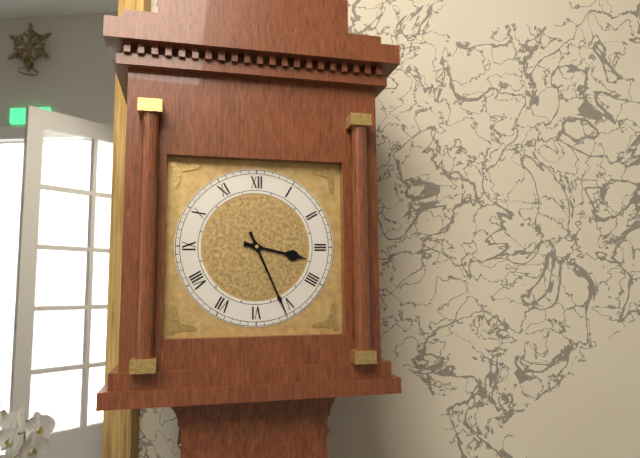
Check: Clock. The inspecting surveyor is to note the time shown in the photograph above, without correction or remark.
3:26
